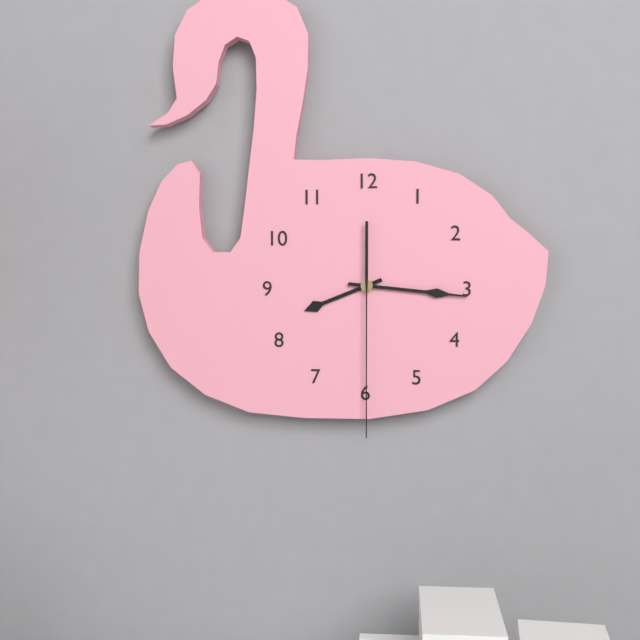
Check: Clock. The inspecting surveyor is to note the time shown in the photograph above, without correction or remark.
8:16:30
